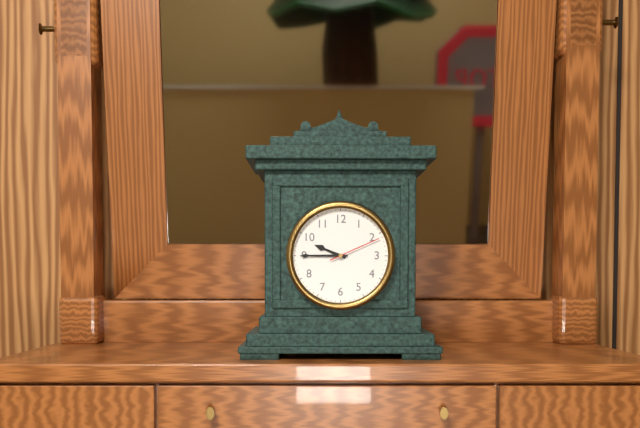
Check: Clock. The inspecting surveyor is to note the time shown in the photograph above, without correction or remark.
9:45:11
